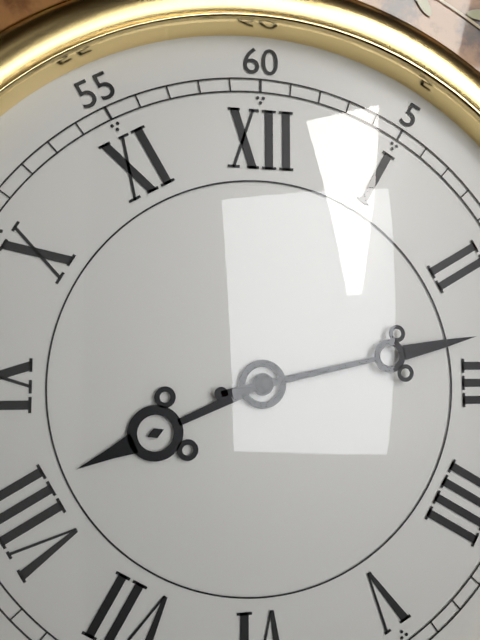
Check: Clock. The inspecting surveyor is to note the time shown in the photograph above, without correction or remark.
8:13
